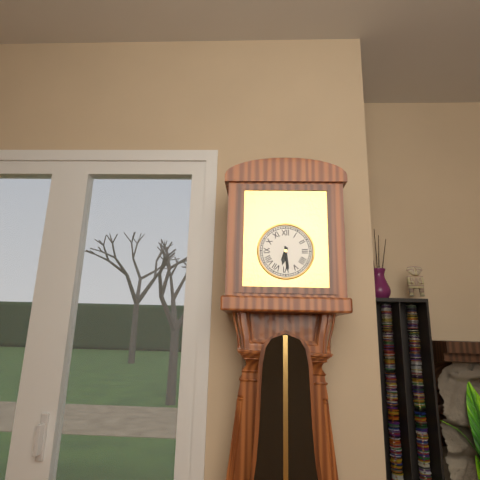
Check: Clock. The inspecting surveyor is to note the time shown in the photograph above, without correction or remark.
6:29
